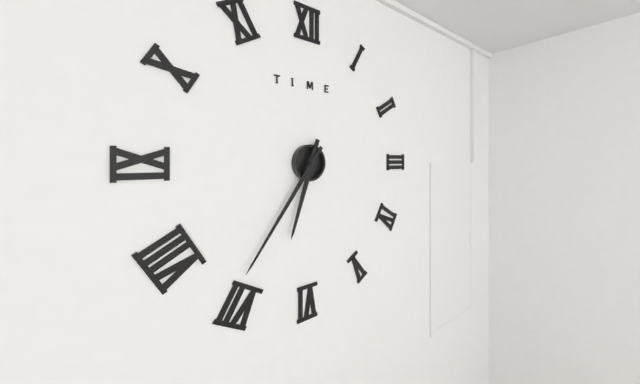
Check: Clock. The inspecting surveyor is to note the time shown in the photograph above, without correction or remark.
6:36
